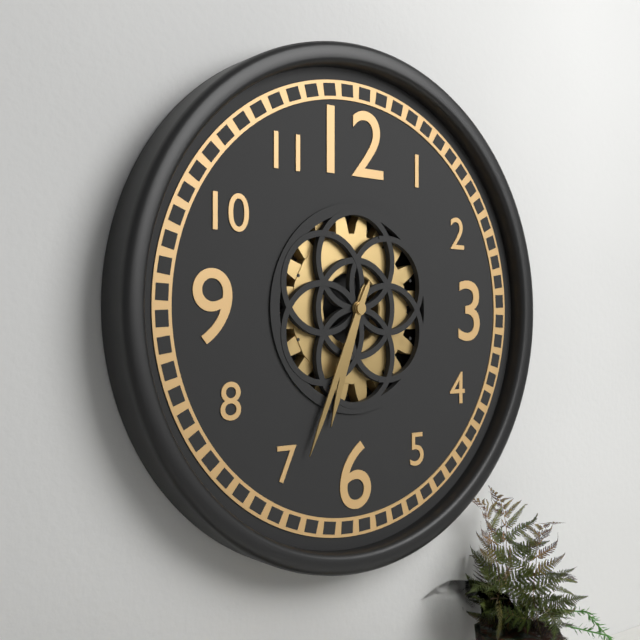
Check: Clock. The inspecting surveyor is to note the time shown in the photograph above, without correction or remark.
6:34
